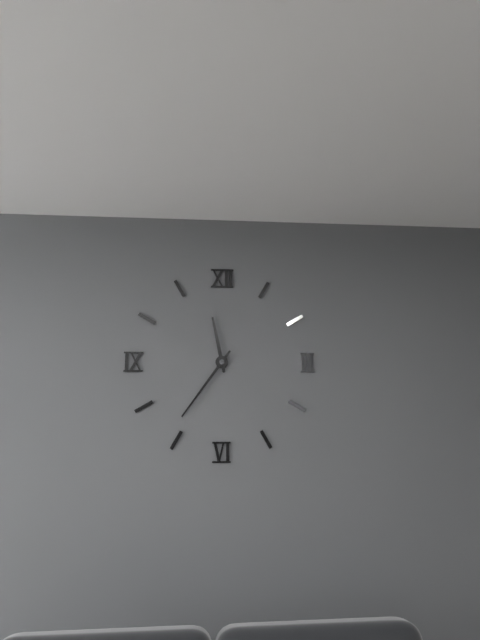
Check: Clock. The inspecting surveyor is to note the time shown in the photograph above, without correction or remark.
11:36
